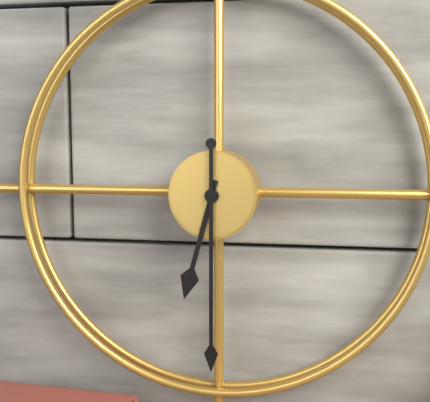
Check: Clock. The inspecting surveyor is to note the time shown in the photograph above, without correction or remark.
6:30
